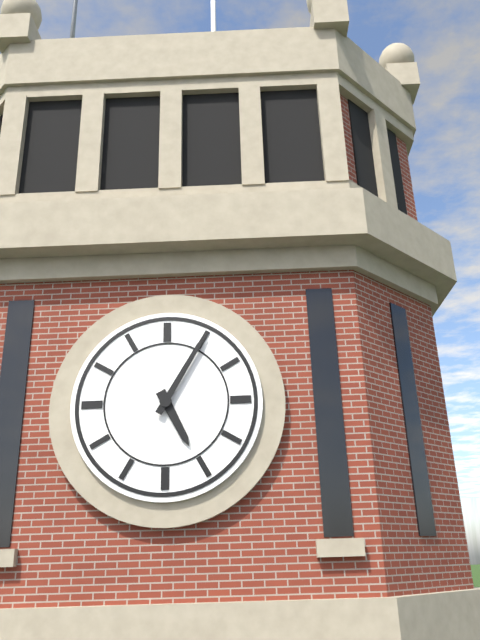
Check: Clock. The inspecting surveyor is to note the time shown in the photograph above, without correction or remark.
5:05
